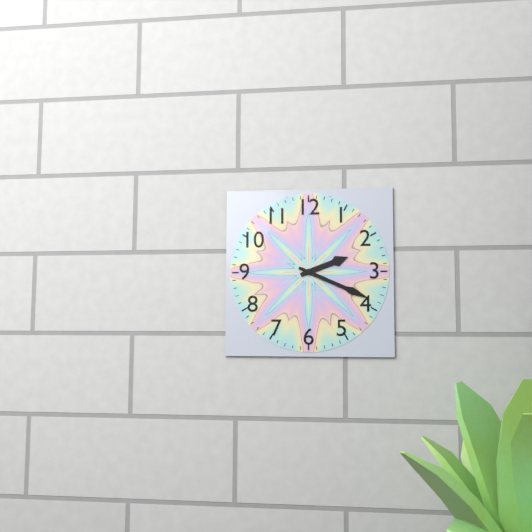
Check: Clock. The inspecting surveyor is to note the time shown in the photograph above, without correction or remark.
2:19
